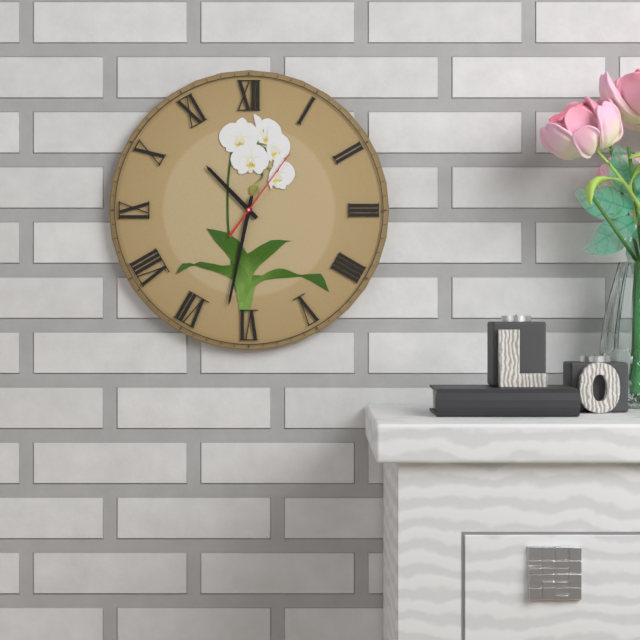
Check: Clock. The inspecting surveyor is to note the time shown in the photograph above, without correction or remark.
10:32:06
